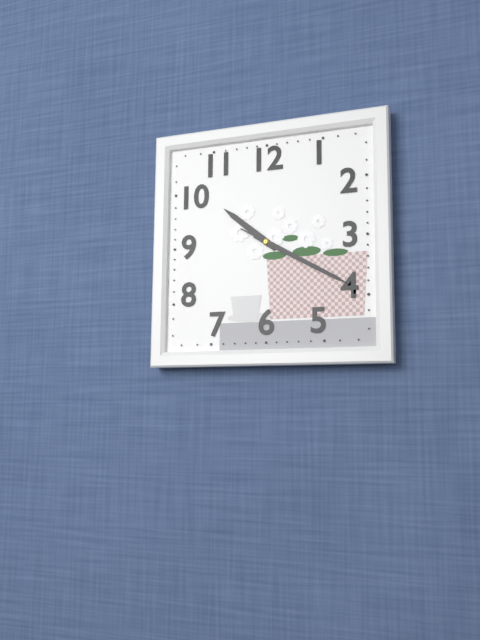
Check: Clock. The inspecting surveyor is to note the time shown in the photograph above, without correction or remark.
10:20:20
